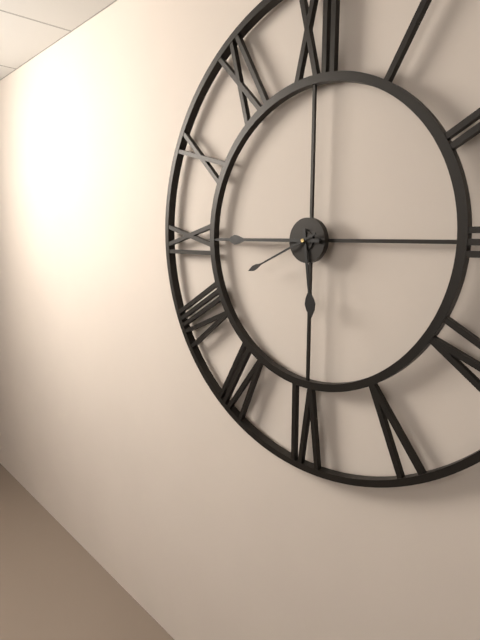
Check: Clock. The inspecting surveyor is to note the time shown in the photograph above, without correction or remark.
5:45:41
